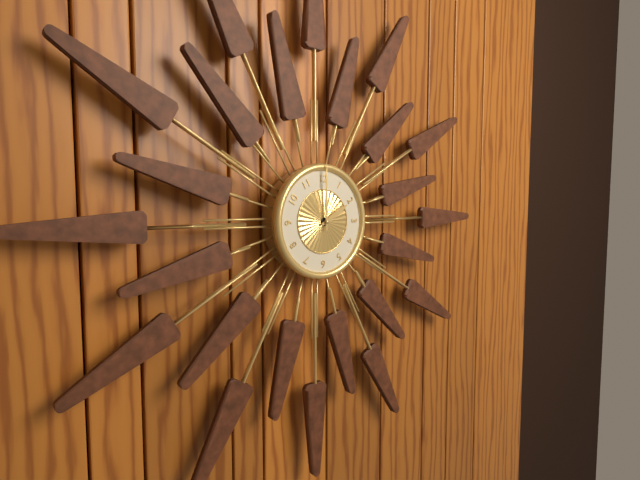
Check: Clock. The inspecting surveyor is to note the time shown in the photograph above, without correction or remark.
2:00
